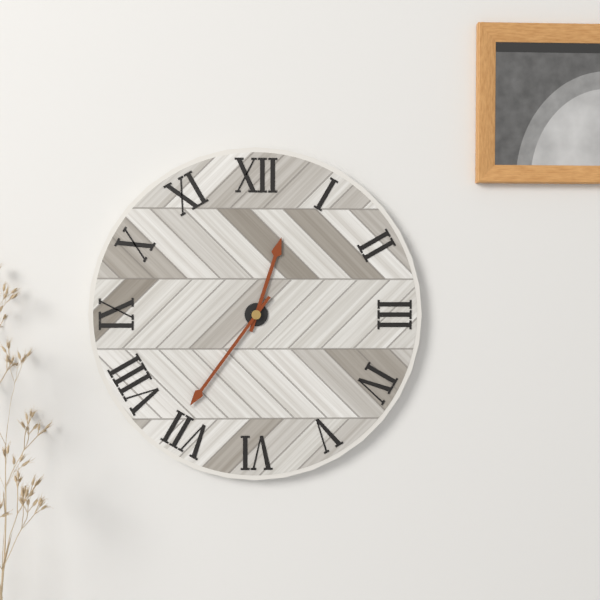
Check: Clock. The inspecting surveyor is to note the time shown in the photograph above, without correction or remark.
12:36
